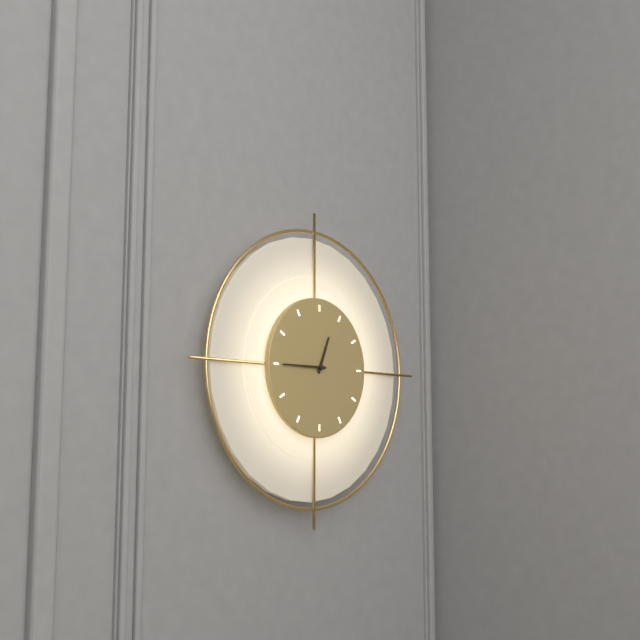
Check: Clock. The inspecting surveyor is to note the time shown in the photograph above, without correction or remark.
12:45
